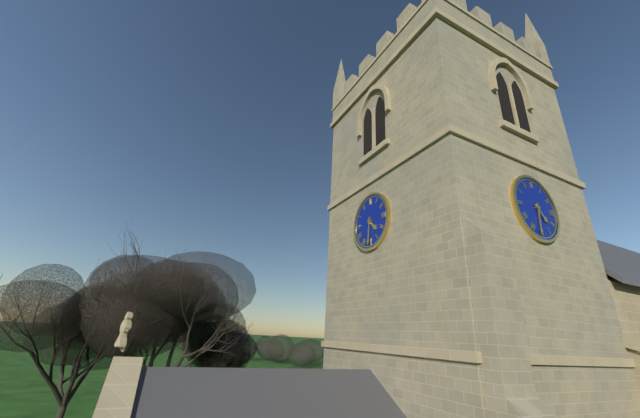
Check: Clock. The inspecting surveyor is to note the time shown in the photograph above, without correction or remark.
4:31
